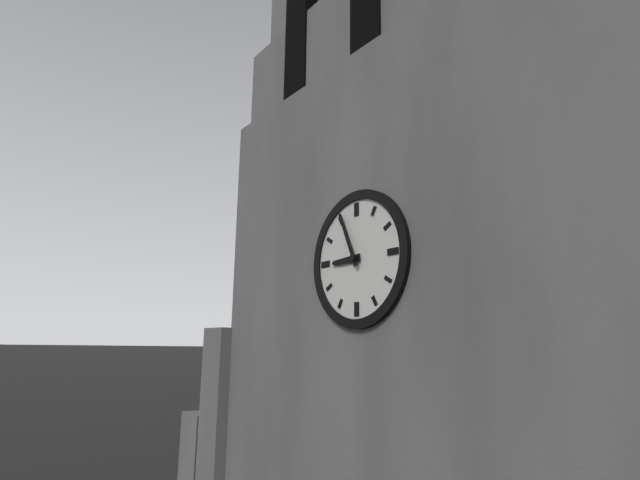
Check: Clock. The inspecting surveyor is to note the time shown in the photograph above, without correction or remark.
8:56
